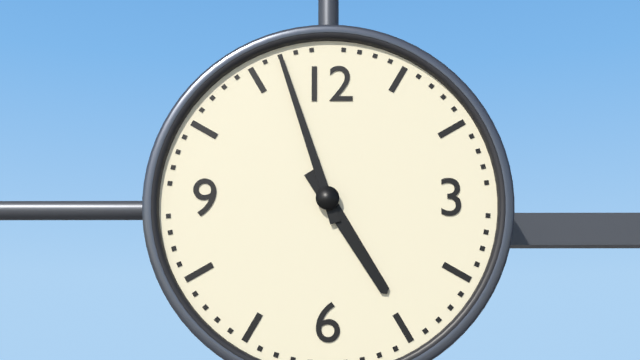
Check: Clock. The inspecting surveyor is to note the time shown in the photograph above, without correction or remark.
4:57
